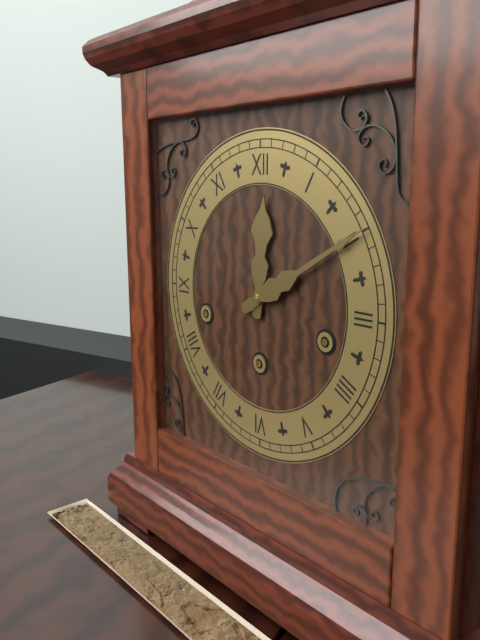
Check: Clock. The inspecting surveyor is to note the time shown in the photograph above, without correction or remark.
12:10
